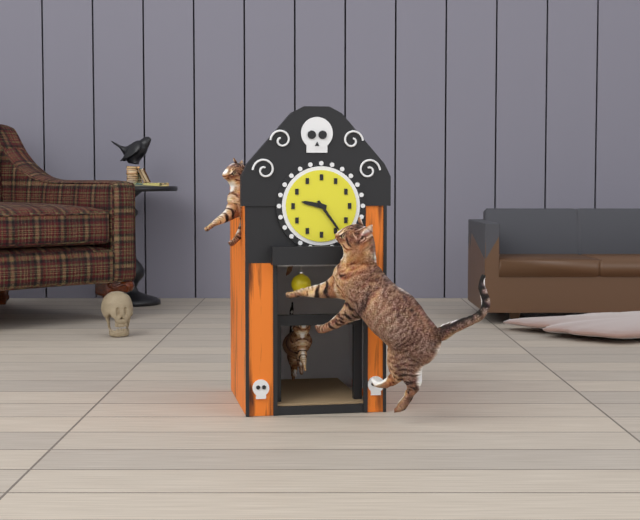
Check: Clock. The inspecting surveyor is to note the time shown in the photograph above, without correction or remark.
9:24
